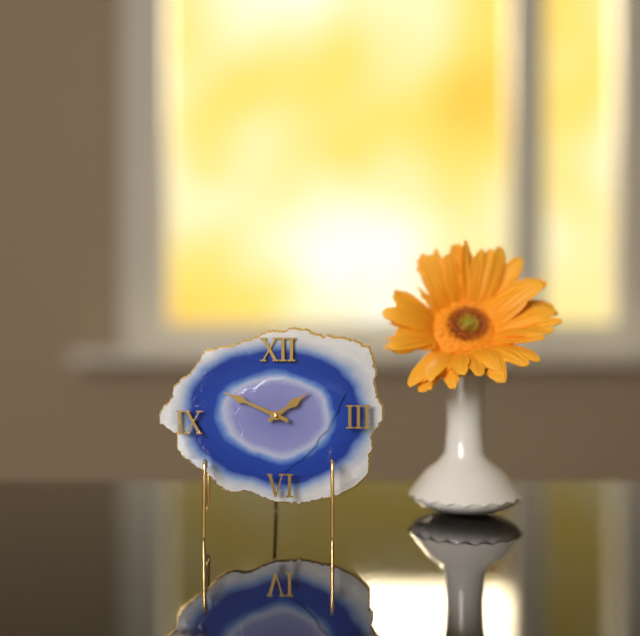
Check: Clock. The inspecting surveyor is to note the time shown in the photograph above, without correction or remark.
1:49
